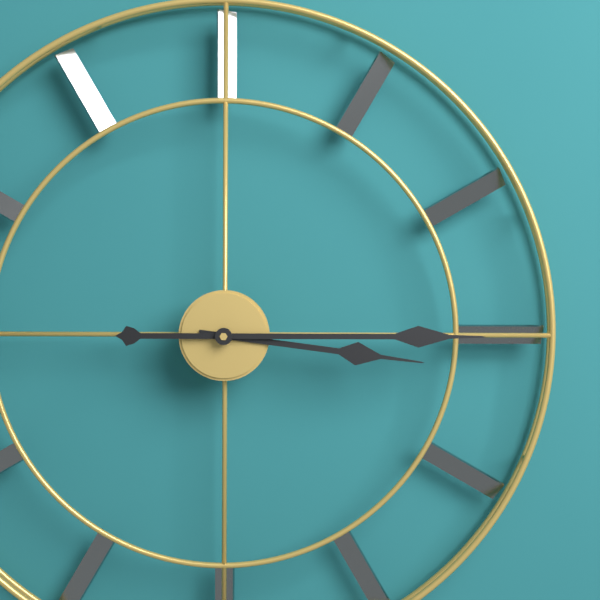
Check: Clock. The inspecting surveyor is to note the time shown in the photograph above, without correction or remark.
3:15
